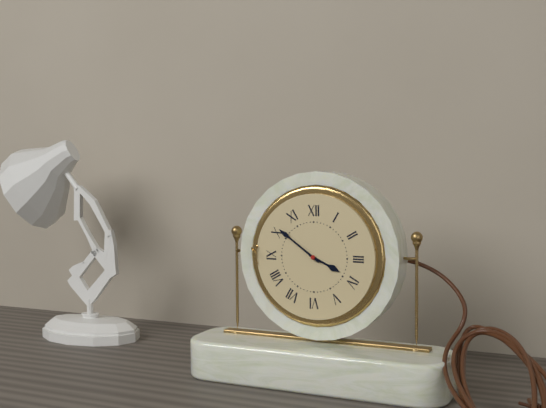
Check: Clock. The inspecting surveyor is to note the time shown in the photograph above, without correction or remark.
3:51
